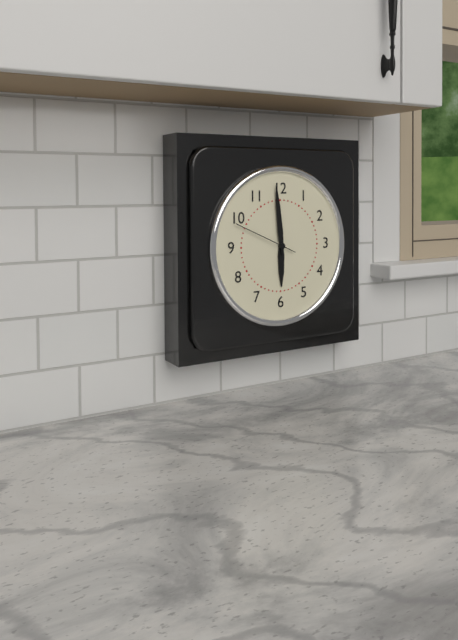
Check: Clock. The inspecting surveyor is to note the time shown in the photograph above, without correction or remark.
5:59:49
